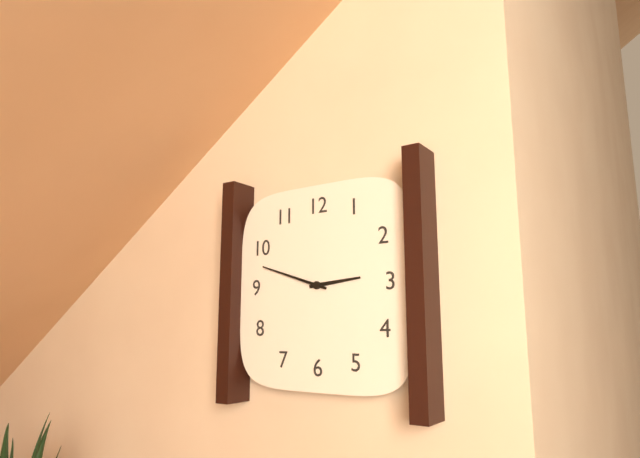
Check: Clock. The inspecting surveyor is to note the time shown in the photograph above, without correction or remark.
2:48
